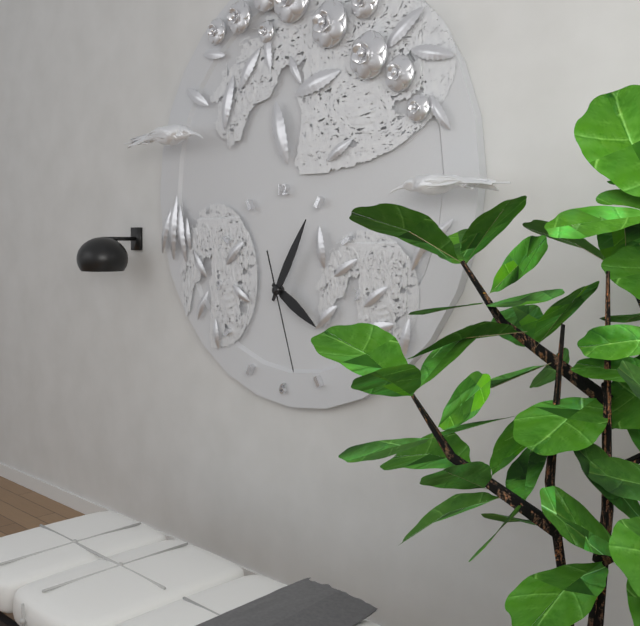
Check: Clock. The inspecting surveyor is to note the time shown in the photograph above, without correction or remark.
4:05:27
